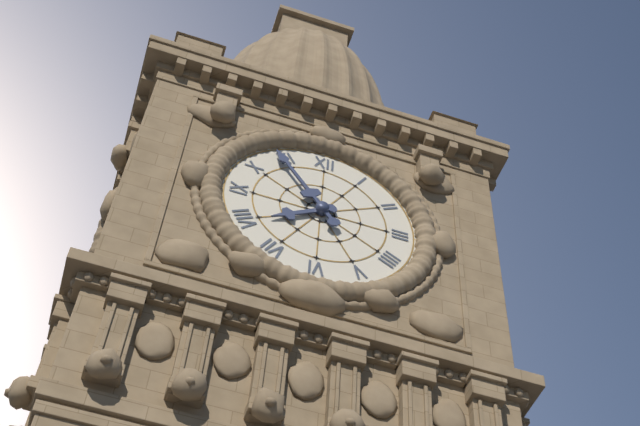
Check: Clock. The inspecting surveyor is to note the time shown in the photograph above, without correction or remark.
7:54
